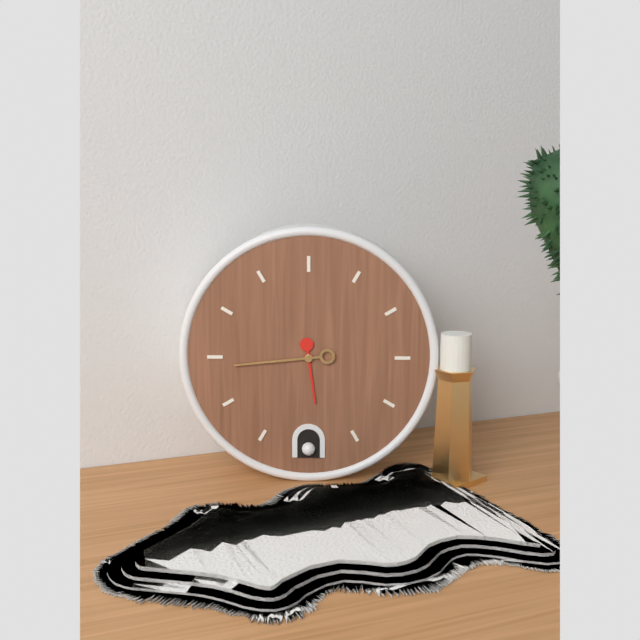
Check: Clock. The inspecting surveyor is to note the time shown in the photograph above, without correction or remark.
5:44
